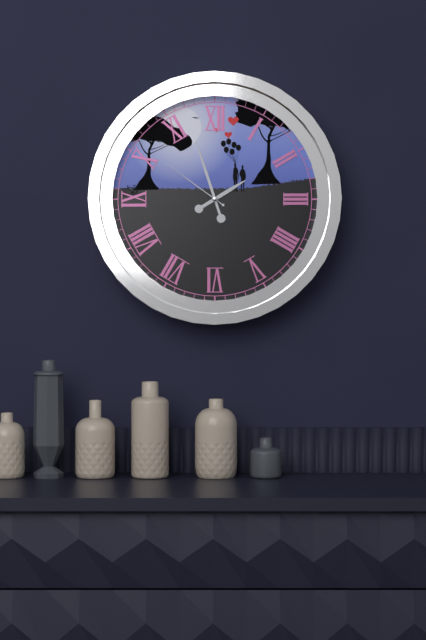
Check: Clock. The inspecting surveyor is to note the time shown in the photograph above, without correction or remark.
1:57:51
